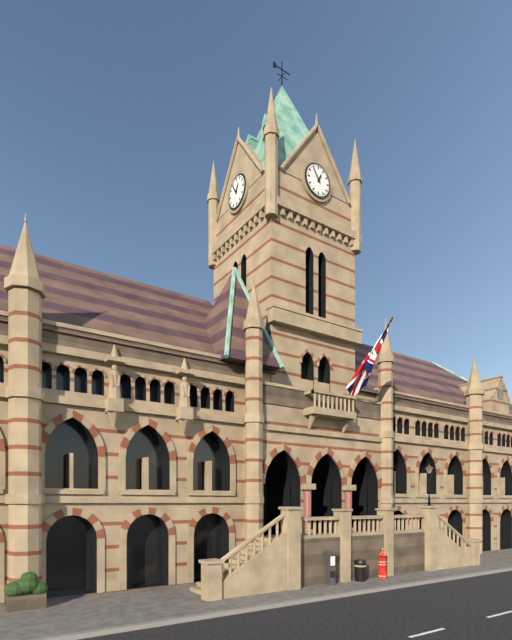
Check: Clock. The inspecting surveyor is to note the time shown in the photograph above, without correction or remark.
12:54
